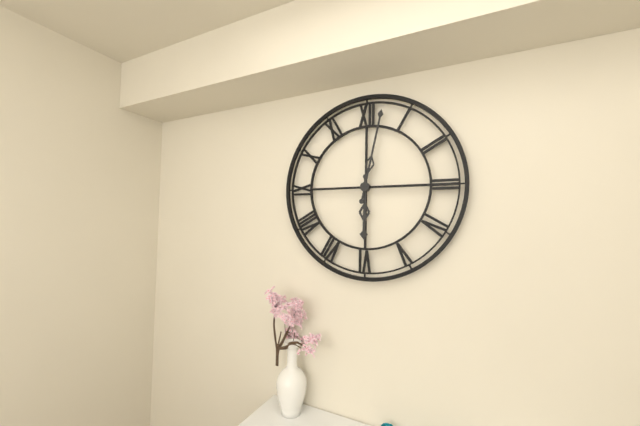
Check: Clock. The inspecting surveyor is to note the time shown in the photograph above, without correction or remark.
6:02
